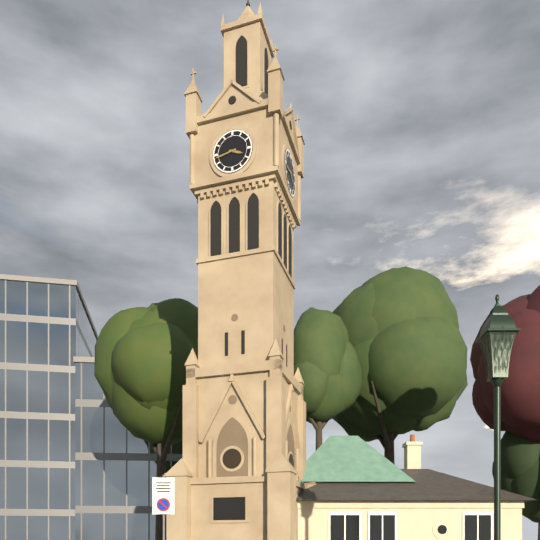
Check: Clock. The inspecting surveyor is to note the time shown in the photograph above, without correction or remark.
3:43
